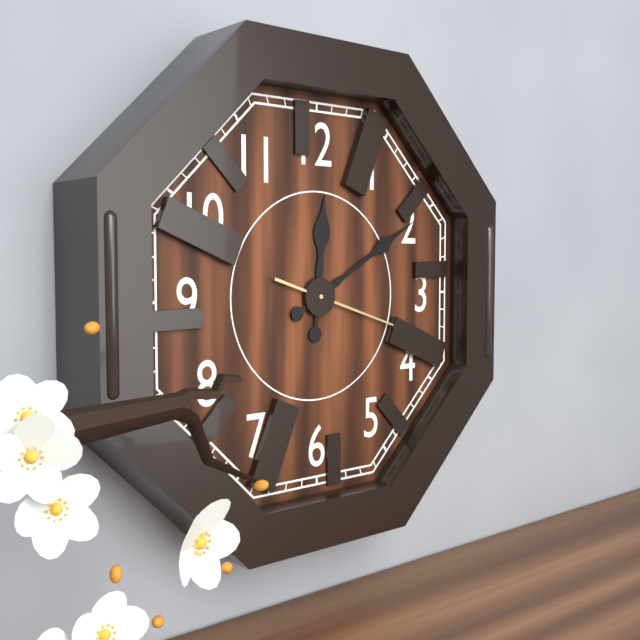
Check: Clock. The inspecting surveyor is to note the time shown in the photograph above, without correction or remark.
12:10
